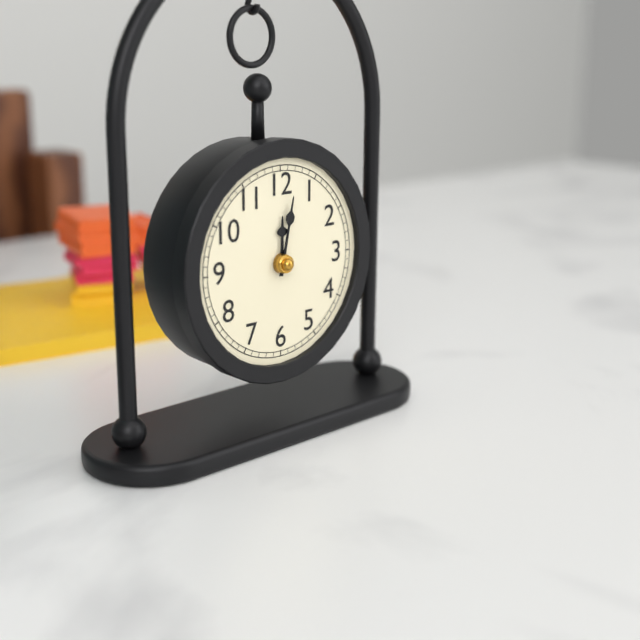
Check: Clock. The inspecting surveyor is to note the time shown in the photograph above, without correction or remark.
12:02
